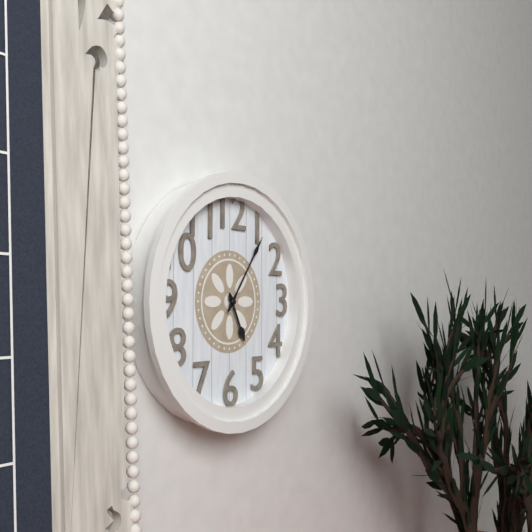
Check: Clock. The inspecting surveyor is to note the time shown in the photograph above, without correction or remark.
5:06
